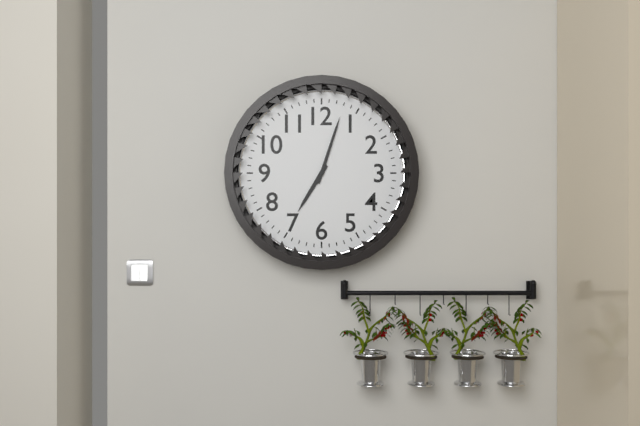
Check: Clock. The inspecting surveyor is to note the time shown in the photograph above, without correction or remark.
7:03
